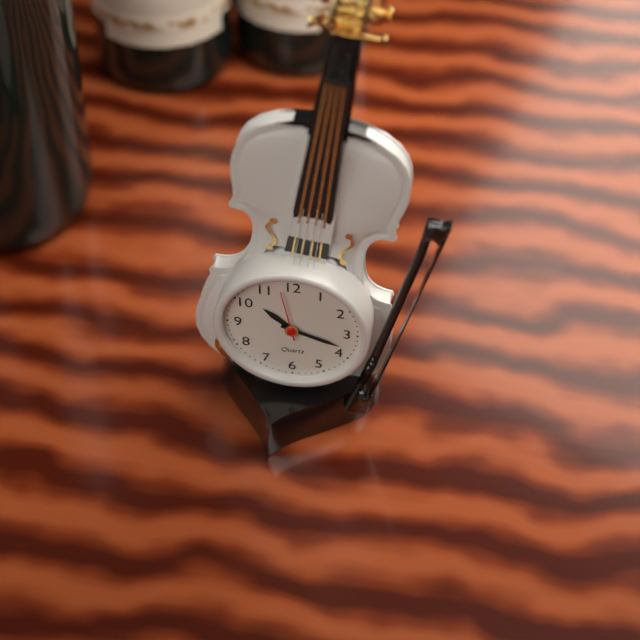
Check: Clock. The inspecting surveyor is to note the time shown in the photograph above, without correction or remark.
10:18:58
